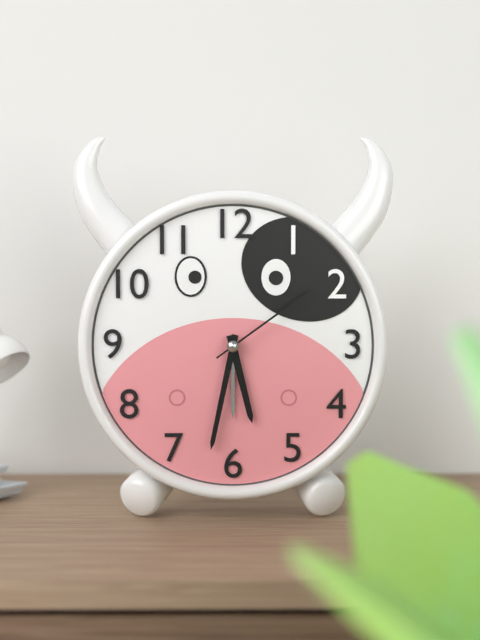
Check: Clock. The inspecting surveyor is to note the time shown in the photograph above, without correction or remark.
5:32:09
